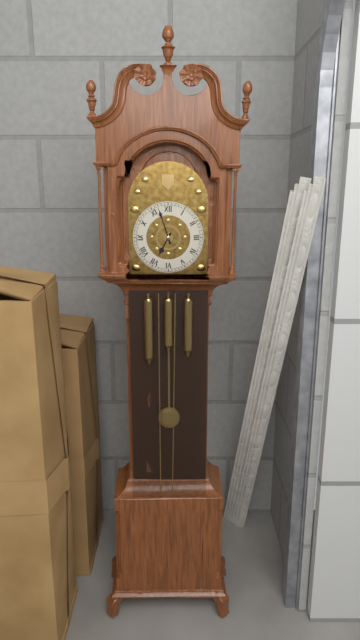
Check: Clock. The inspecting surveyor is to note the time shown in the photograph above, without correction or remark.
6:57
